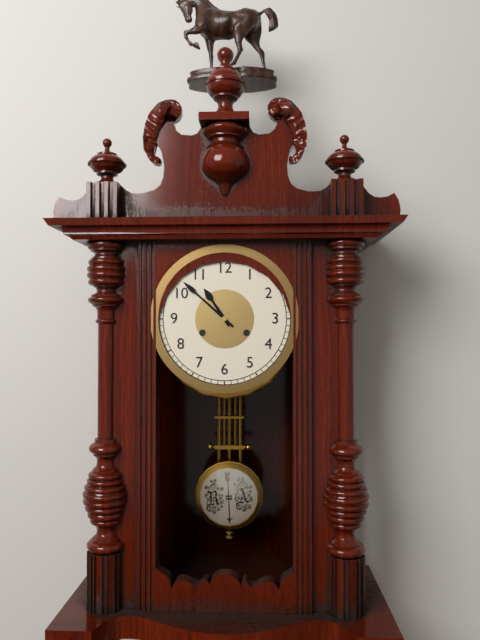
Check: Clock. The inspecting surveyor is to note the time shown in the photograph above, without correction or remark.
10:52
